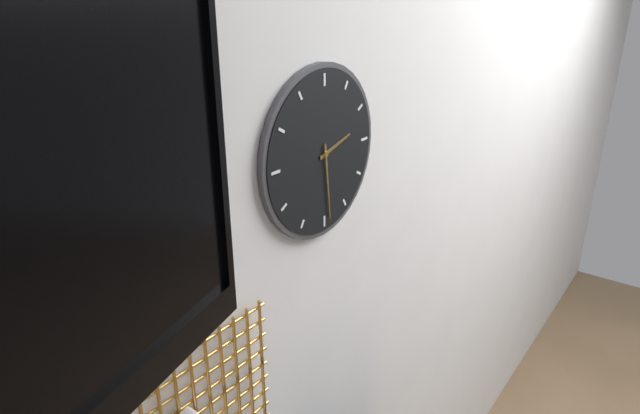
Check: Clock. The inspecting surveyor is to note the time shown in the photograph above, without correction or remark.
2:29
